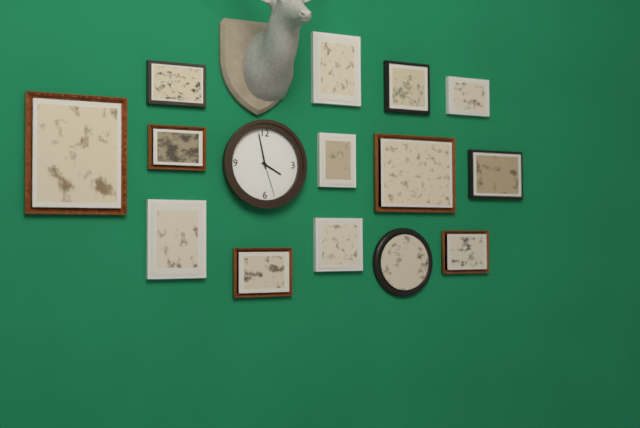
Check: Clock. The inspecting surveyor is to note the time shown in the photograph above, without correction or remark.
3:58
